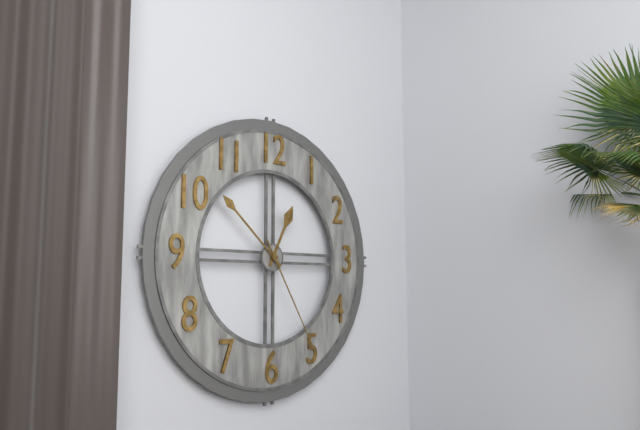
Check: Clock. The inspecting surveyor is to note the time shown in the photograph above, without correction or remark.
12:52:25
